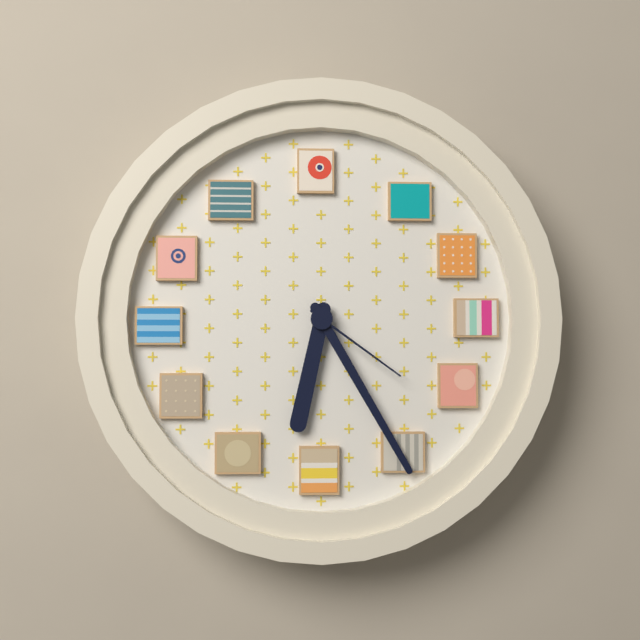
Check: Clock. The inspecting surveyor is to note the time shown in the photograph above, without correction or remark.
6:25:21
